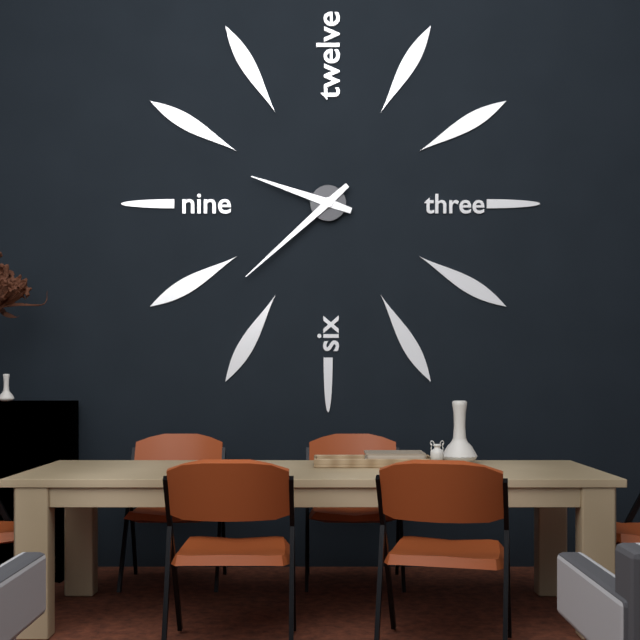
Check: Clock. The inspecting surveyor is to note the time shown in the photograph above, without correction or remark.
9:38
